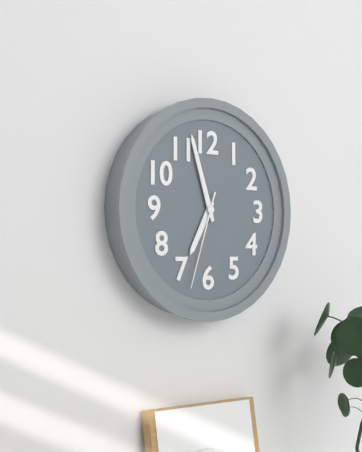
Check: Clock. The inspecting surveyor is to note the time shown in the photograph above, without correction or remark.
6:57:33
